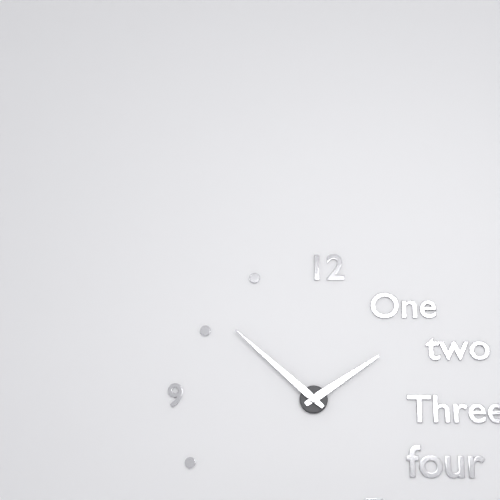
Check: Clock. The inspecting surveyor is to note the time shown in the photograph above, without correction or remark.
1:52
